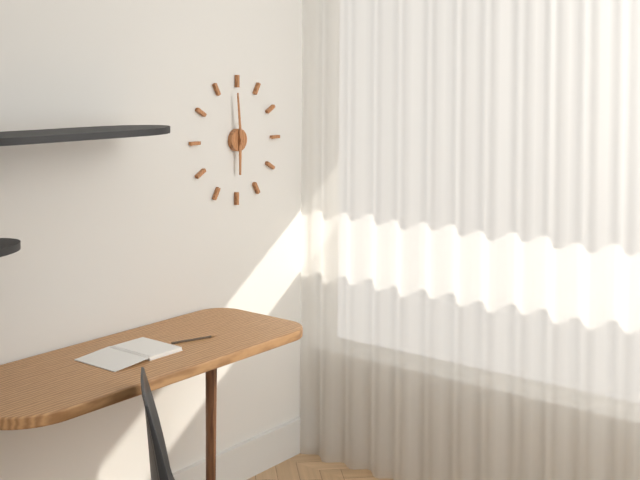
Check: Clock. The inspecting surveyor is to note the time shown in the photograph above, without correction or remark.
5:59
